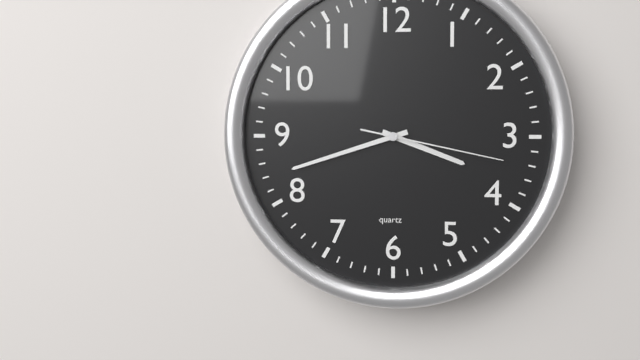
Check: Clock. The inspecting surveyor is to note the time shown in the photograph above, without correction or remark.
3:42:17
